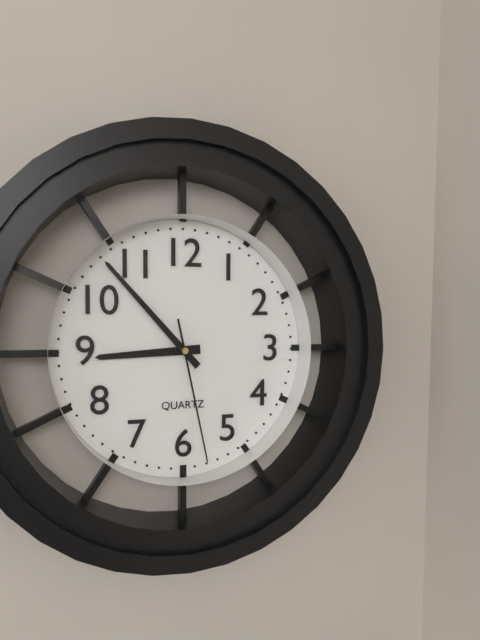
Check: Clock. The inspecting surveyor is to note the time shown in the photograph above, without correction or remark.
8:53:28
